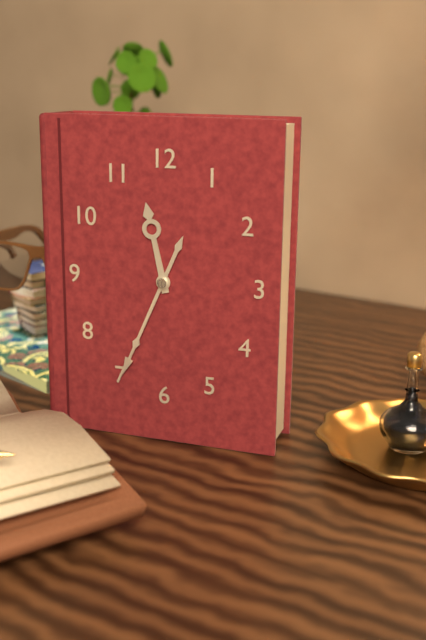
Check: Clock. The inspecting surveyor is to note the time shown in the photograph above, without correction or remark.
11:34
